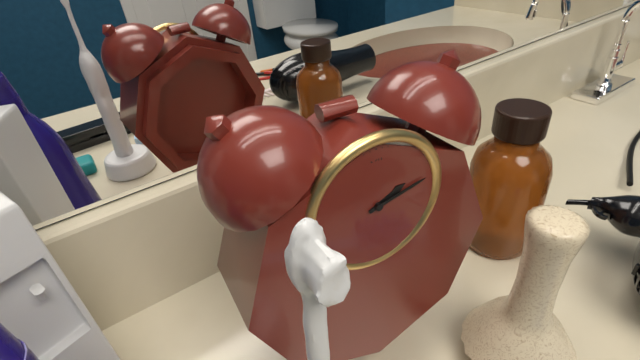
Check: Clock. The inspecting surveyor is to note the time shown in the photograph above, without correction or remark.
2:13
